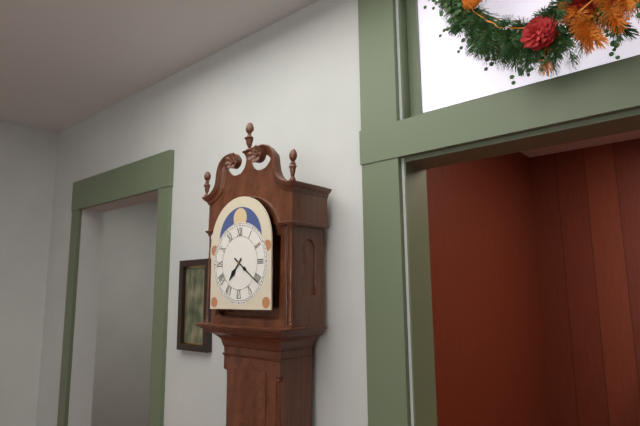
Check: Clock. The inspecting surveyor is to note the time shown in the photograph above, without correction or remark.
7:21
